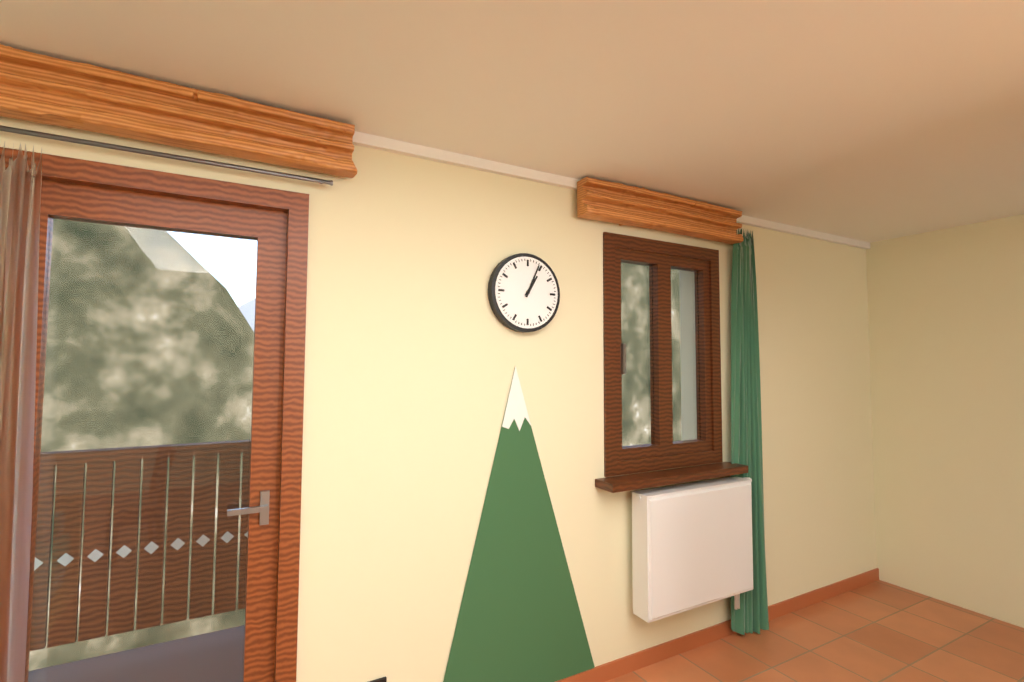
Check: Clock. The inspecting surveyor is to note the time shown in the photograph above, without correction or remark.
1:04
